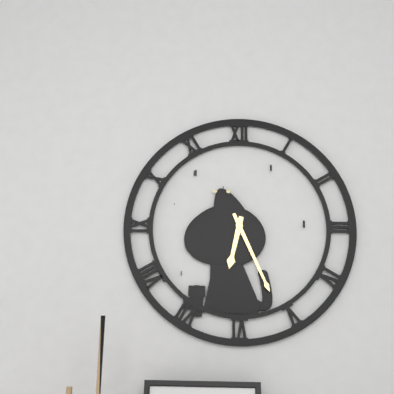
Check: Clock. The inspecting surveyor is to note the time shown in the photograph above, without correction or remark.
6:26
